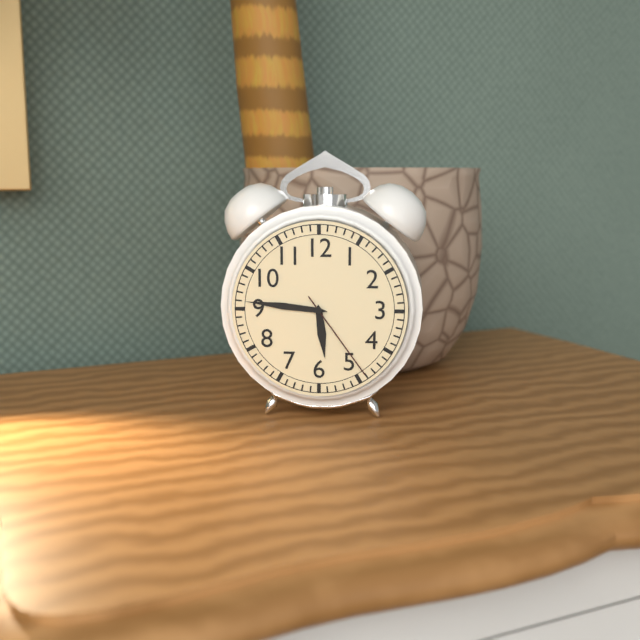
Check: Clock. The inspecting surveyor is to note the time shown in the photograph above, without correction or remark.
5:46:24
